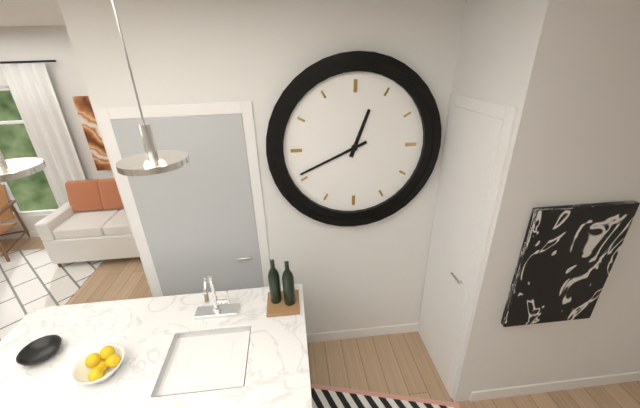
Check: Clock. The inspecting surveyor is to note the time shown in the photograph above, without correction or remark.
12:41
